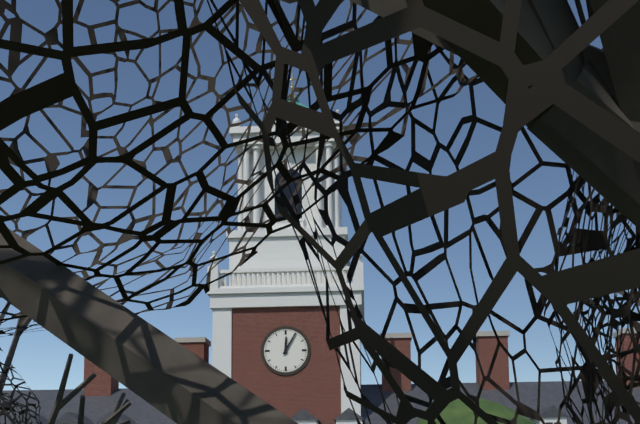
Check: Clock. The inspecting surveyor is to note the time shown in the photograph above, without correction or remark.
12:05
